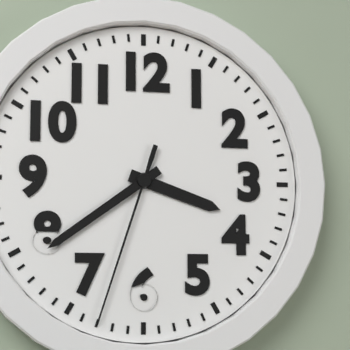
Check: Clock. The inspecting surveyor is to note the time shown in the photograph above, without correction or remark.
3:39:33
